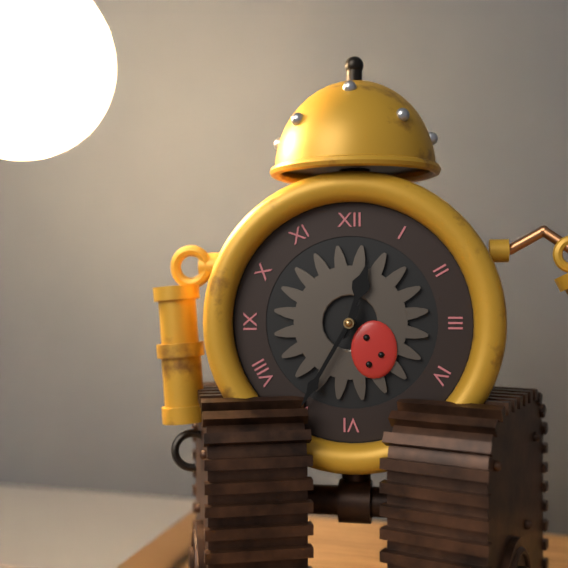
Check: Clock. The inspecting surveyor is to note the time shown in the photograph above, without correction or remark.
12:35
